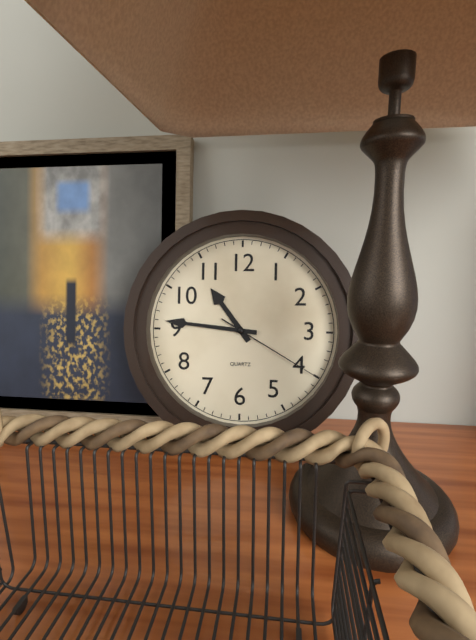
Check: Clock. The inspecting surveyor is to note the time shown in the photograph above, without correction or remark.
10:46:20
